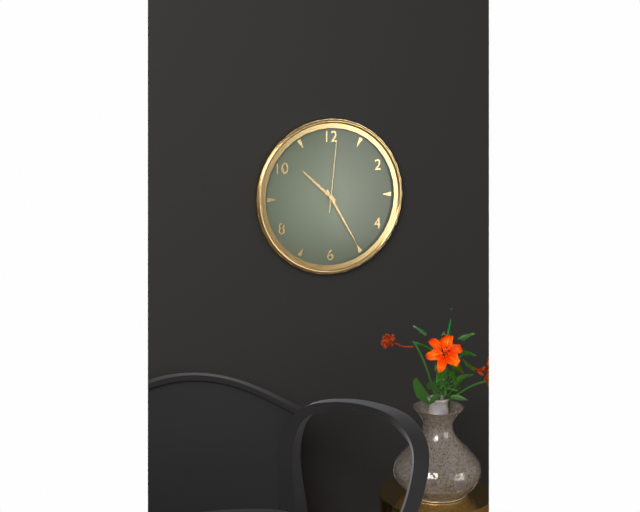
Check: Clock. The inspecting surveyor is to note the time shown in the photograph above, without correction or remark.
10:25:01
